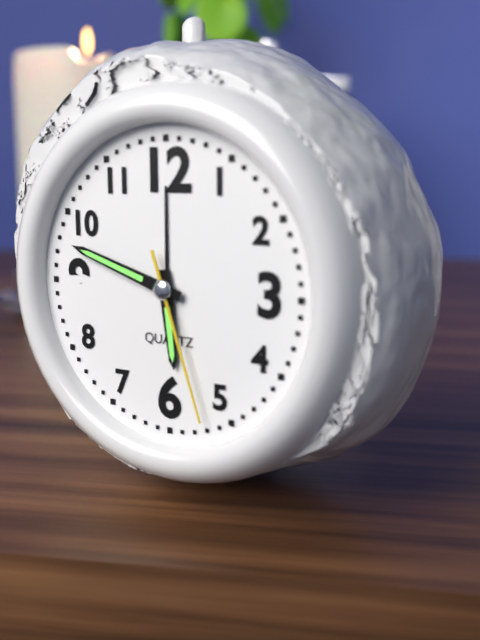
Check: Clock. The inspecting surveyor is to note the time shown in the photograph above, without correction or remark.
5:48:27
